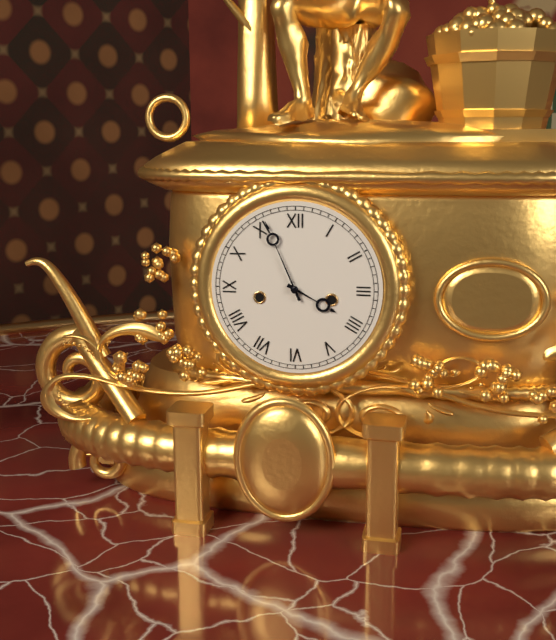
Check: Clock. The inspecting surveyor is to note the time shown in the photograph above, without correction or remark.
3:56
